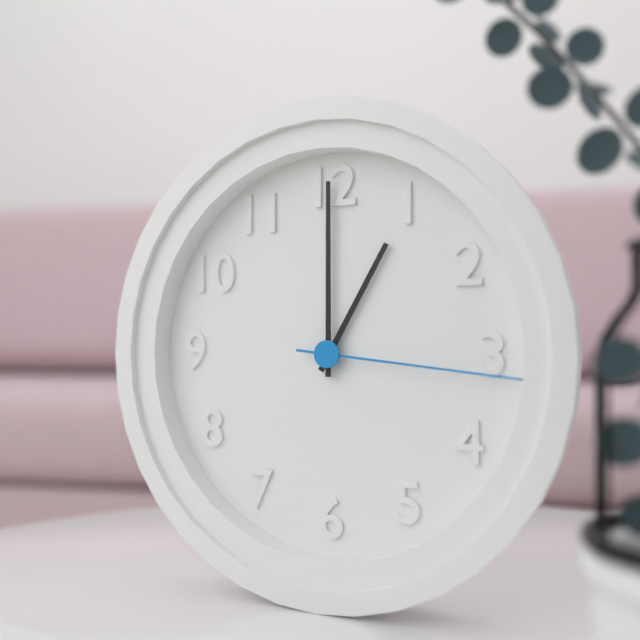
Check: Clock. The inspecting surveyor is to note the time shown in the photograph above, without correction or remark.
1:00:16
